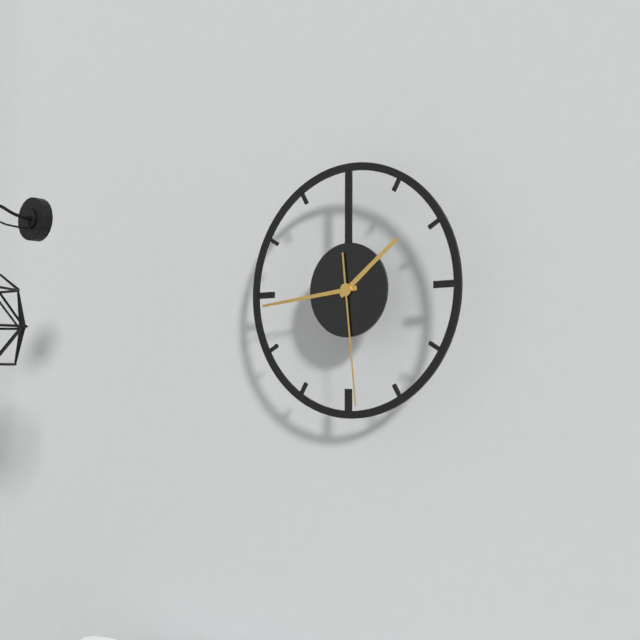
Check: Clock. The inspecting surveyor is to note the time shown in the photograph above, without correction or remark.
1:44:29
